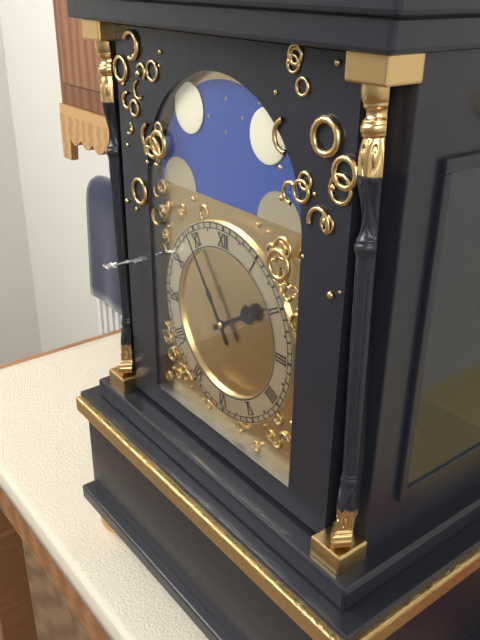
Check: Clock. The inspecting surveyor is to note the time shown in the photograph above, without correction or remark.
1:54
